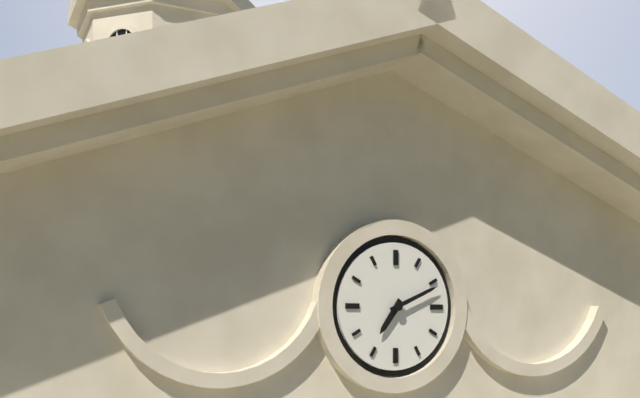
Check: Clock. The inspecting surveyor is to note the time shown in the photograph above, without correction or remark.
7:11
